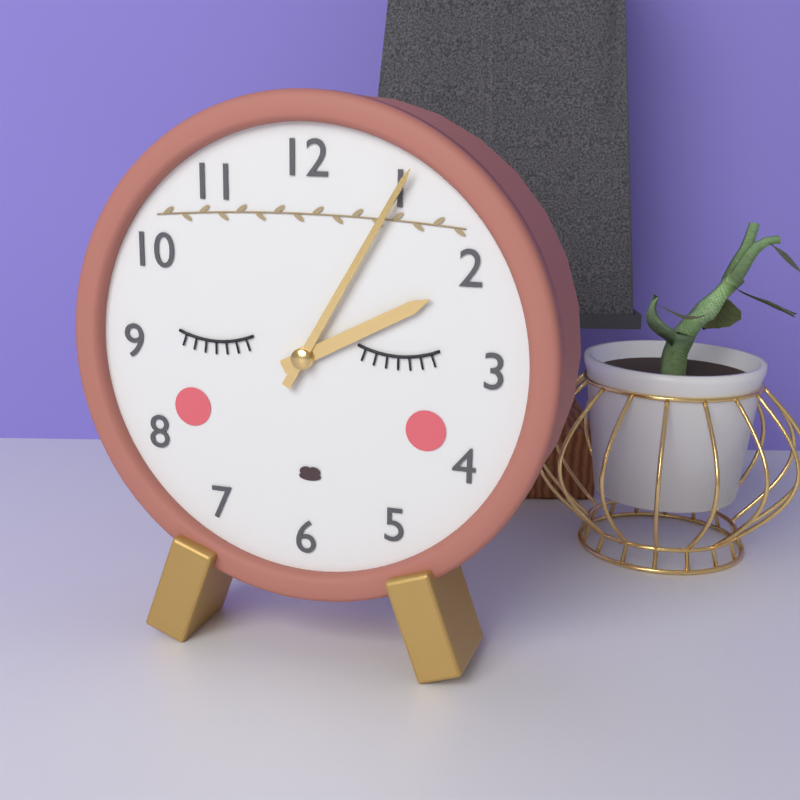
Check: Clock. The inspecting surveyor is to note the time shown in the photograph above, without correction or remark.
2:05
